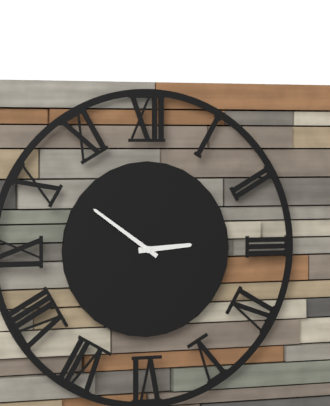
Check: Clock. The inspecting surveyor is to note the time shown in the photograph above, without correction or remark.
2:51
